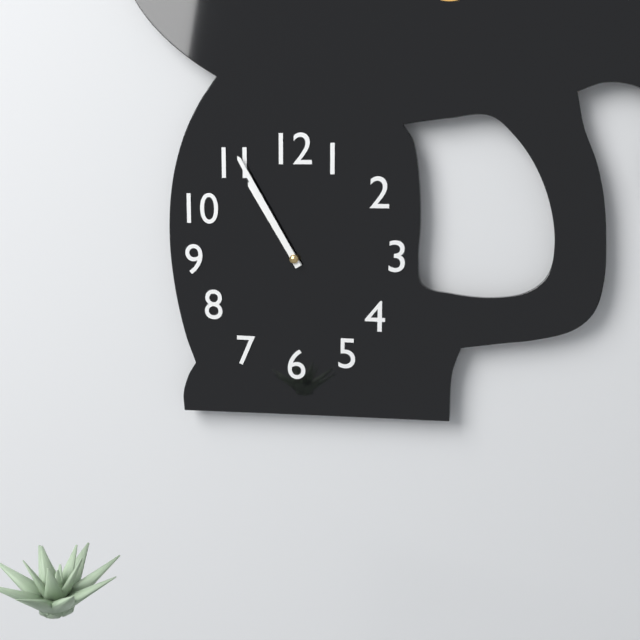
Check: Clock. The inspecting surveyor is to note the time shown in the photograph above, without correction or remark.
10:55
